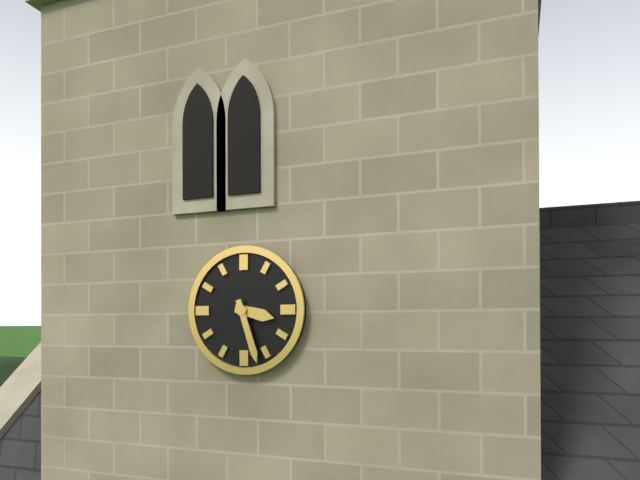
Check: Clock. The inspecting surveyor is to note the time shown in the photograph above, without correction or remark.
3:27
